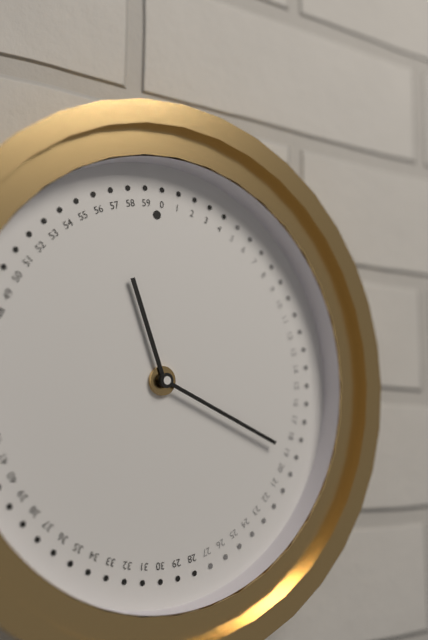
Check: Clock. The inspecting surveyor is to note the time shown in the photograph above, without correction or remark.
11:19
